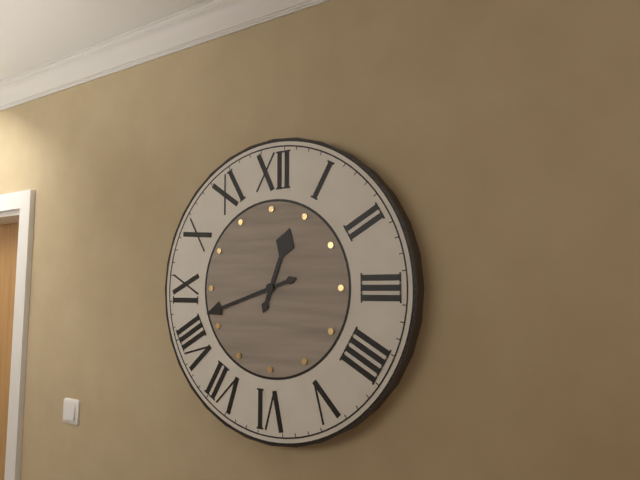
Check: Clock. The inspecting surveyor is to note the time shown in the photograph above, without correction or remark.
12:42
